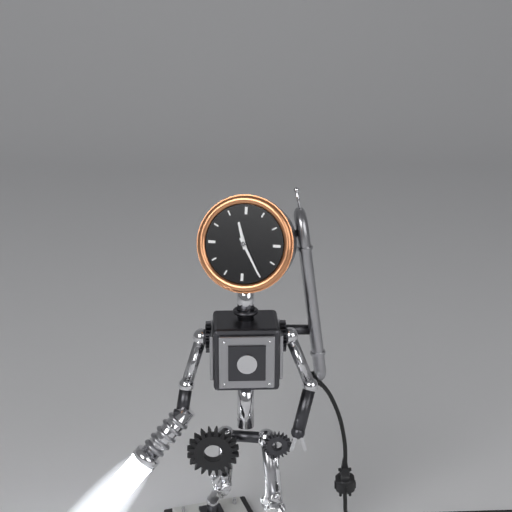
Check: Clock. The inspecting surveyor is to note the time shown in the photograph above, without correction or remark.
11:25
